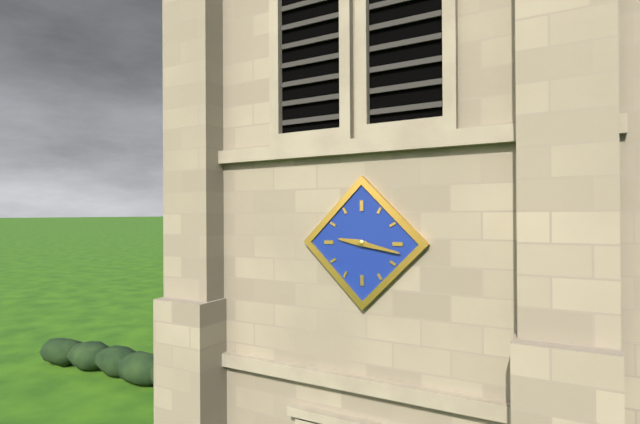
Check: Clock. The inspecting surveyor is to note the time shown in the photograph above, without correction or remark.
9:17
